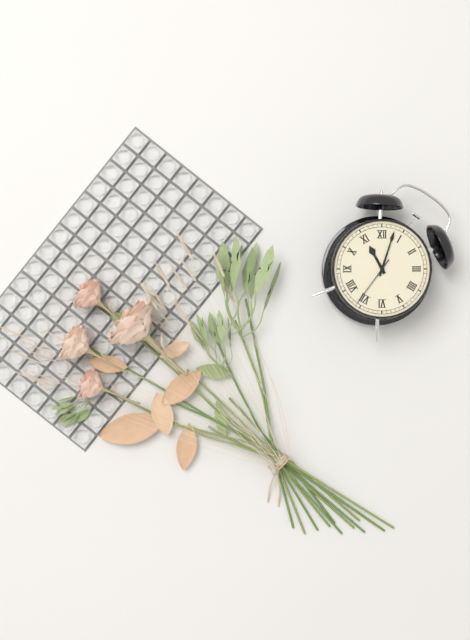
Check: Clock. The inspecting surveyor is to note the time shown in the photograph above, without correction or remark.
11:03:36
